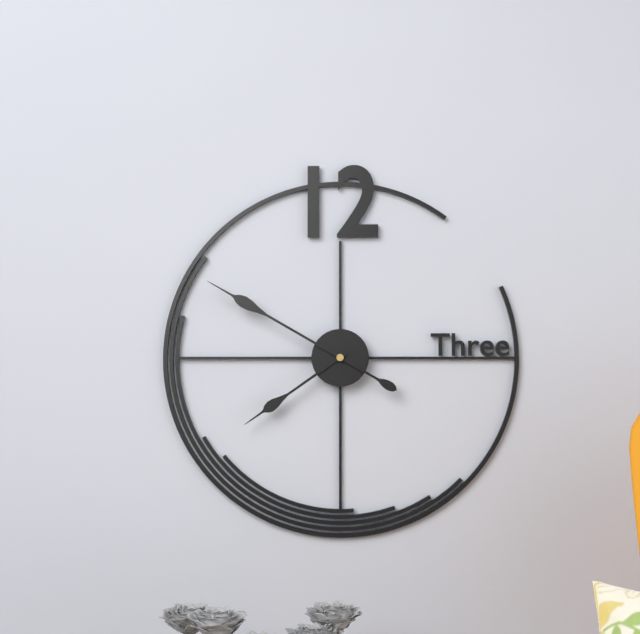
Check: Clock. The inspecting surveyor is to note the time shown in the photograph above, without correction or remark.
7:50
